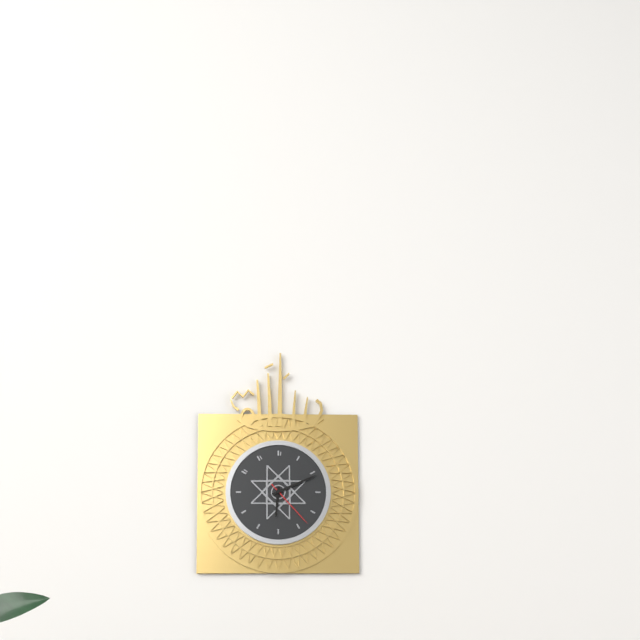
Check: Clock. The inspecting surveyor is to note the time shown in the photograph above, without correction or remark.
6:11:23
